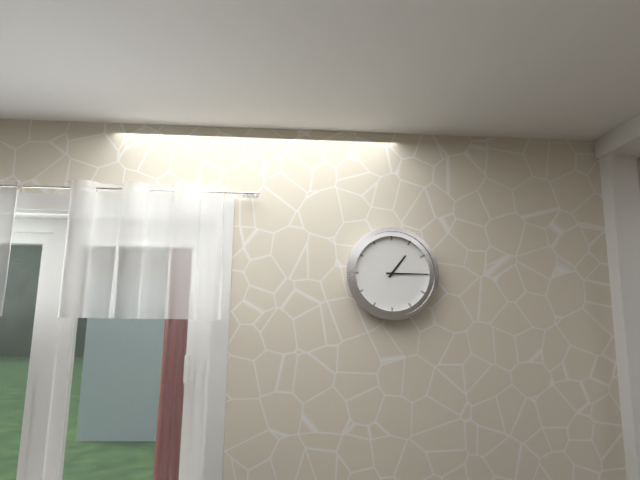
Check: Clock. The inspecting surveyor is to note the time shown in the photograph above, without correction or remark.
1:15
